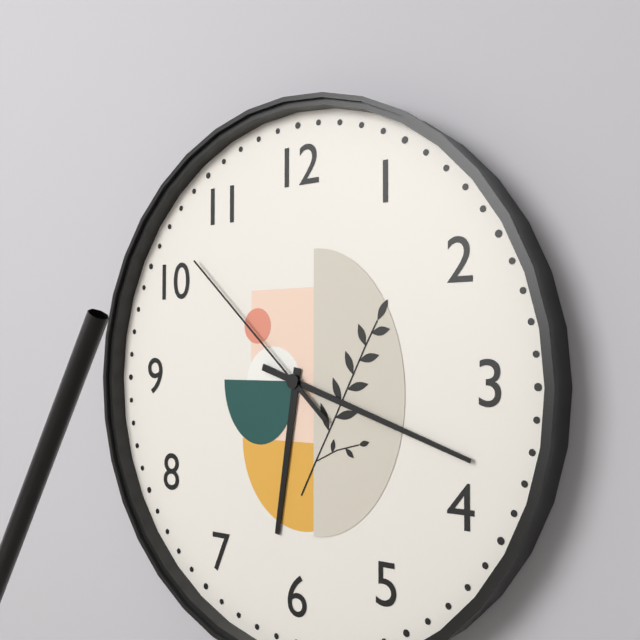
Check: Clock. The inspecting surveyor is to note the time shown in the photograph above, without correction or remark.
6:18:52
